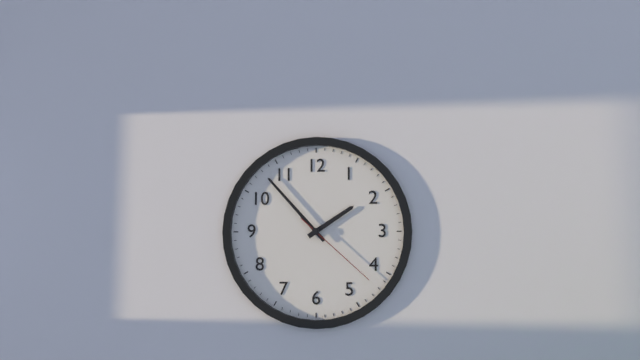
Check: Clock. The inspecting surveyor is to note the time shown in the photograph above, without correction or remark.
1:53:22
